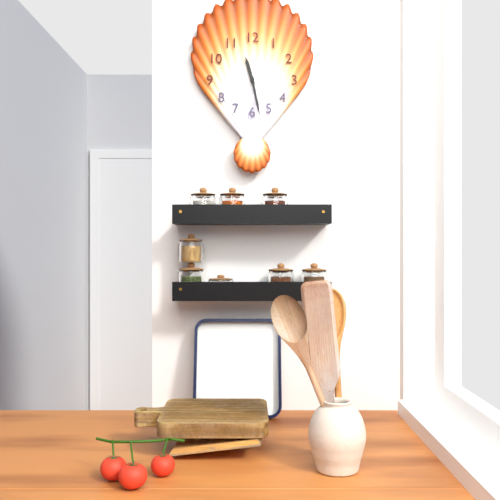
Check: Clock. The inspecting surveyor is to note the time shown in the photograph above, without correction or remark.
11:28
